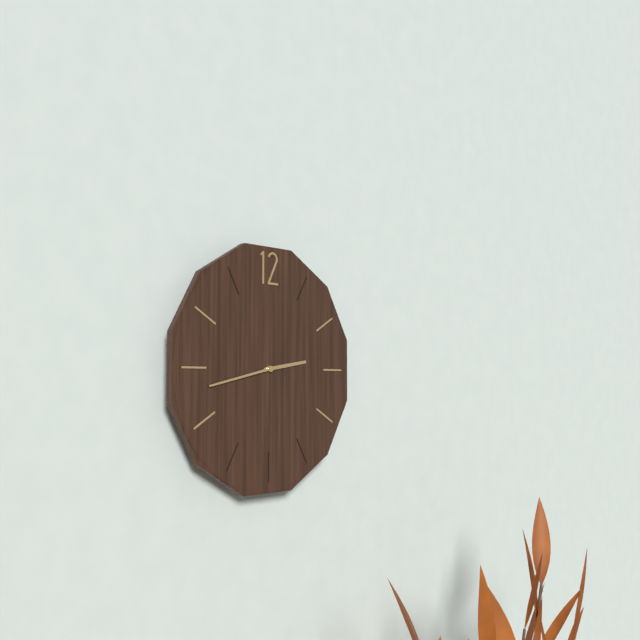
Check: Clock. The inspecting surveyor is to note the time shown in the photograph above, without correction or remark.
2:43
